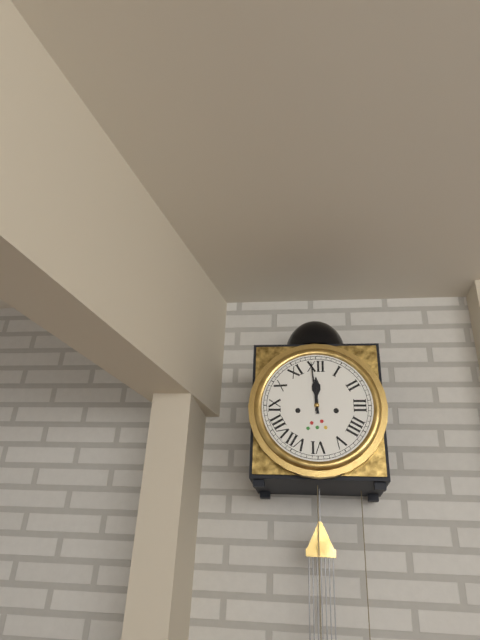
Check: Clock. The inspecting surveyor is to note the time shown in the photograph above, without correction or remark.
11:59
